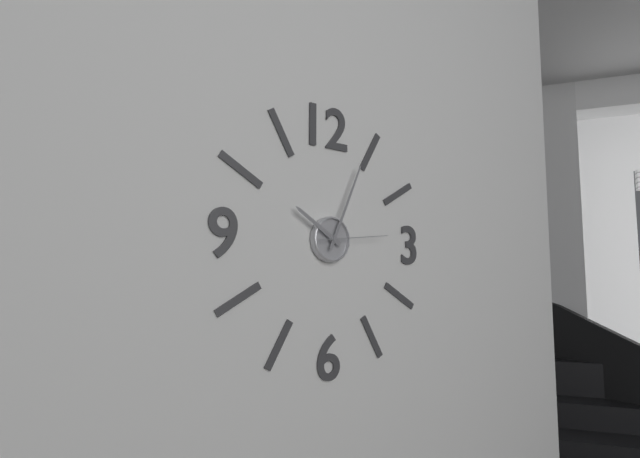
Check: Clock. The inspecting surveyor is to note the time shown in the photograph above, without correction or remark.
10:04:14
